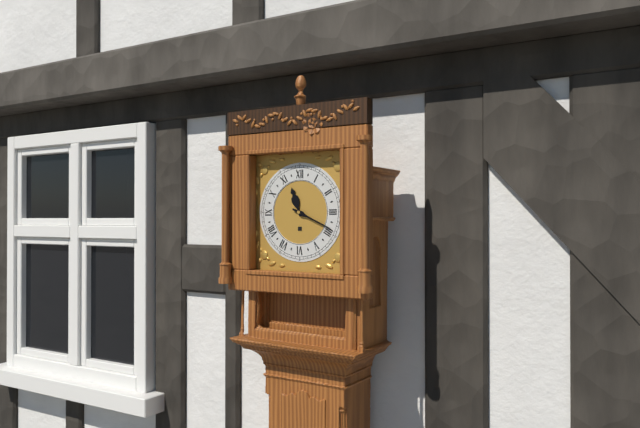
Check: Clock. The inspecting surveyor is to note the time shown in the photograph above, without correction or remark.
11:19
